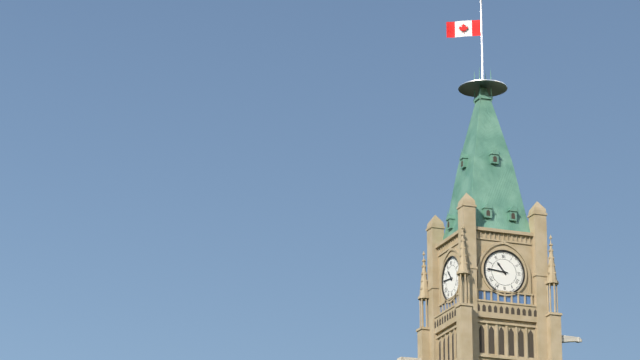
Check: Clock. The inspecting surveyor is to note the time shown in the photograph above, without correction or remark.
10:46
